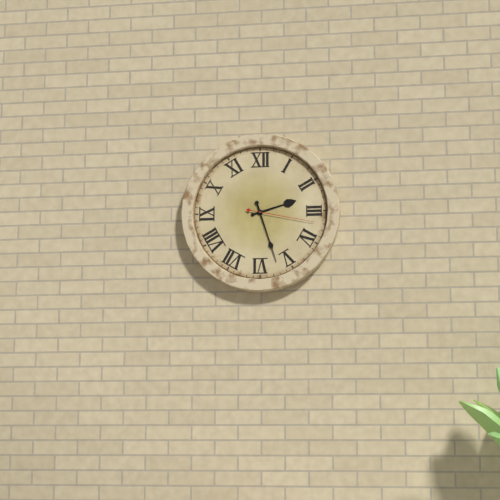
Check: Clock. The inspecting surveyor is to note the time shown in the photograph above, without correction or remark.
2:27:17
